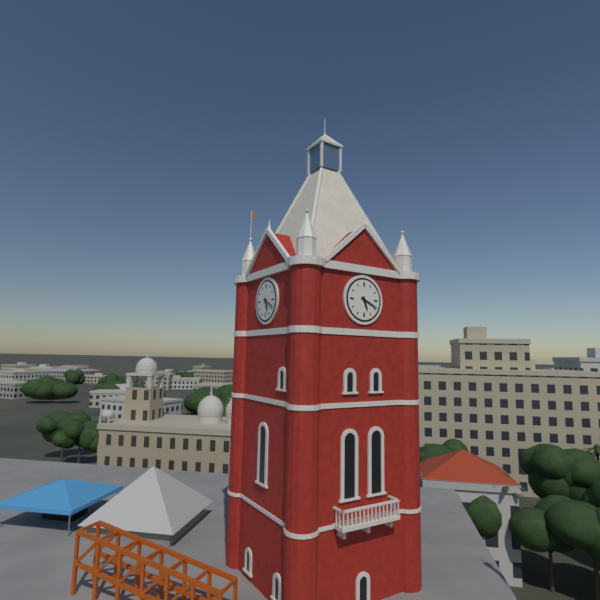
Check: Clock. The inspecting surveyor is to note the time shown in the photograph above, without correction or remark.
5:19
